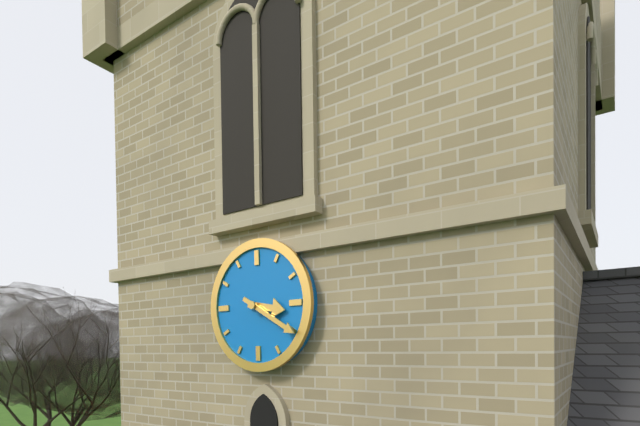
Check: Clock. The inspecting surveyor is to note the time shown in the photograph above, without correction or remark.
3:20
